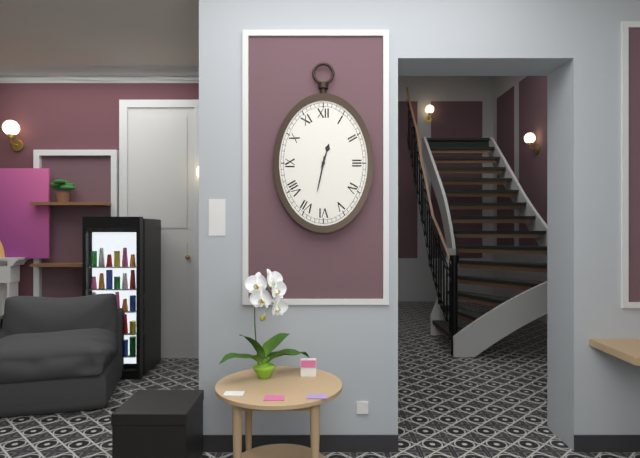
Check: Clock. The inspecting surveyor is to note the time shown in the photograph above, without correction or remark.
12:32
